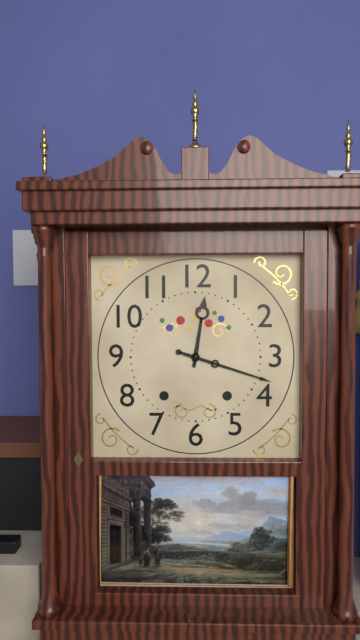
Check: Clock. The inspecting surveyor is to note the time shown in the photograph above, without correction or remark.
12:18
